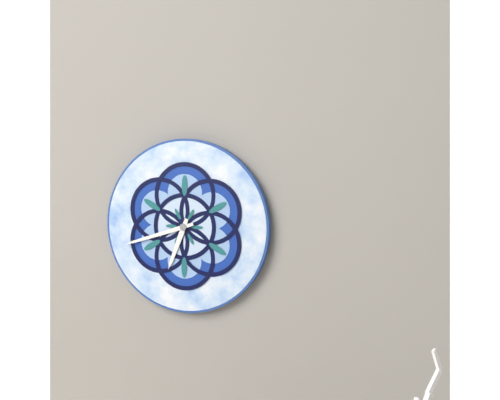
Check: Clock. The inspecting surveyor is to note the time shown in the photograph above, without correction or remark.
6:42
